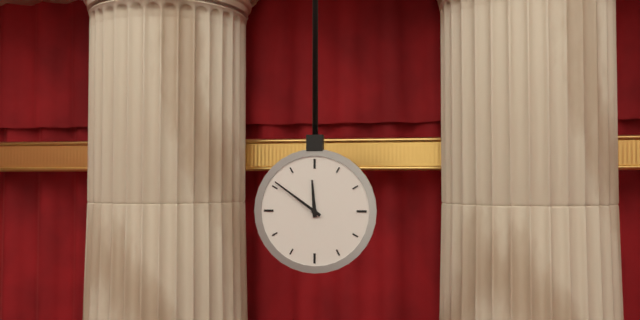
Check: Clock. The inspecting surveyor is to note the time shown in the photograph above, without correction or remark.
11:51
